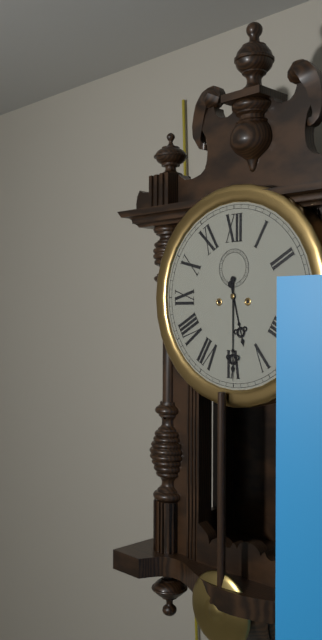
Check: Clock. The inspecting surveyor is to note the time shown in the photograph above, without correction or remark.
5:30
